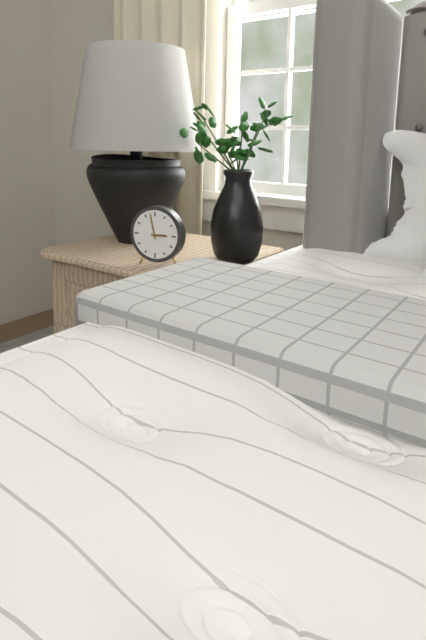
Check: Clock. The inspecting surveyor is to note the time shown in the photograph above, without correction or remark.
2:58
